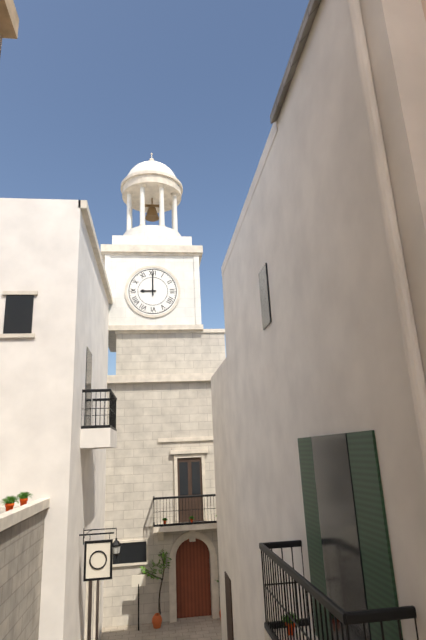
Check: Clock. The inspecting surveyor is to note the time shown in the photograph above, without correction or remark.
9:00
